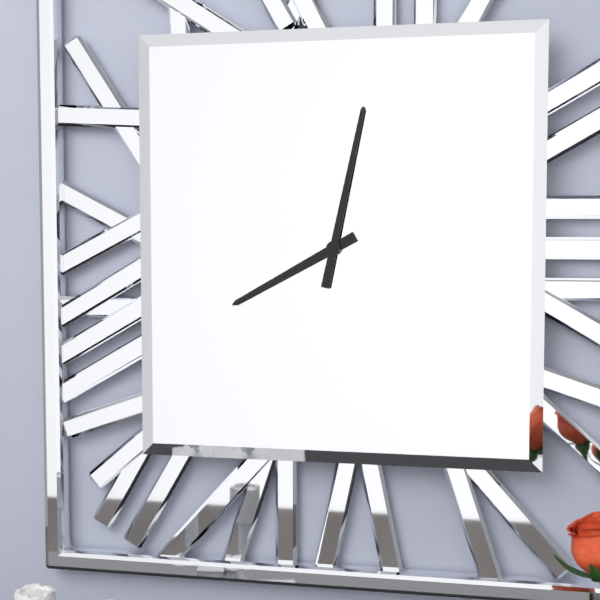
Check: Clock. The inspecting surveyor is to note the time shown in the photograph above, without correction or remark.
8:02
